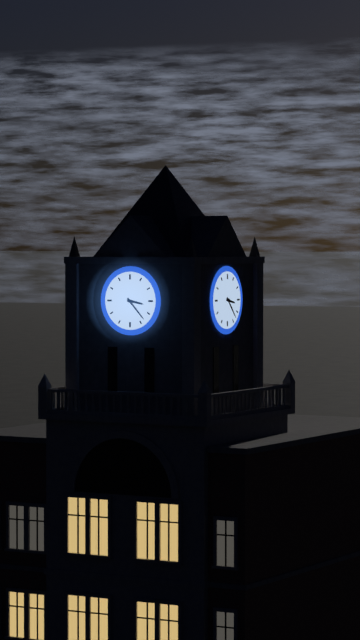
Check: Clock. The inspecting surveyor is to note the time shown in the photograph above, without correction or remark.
3:23
